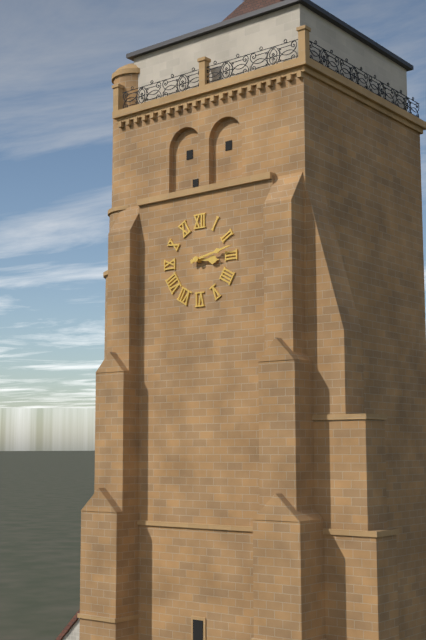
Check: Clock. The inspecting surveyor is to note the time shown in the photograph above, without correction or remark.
3:13
